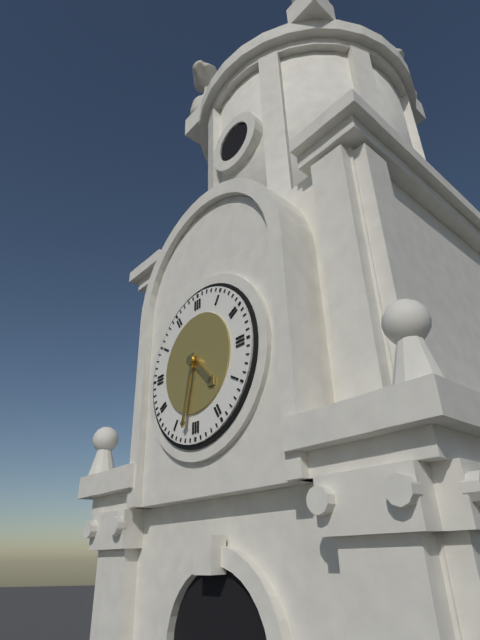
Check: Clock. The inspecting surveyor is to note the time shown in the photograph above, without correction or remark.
4:32
